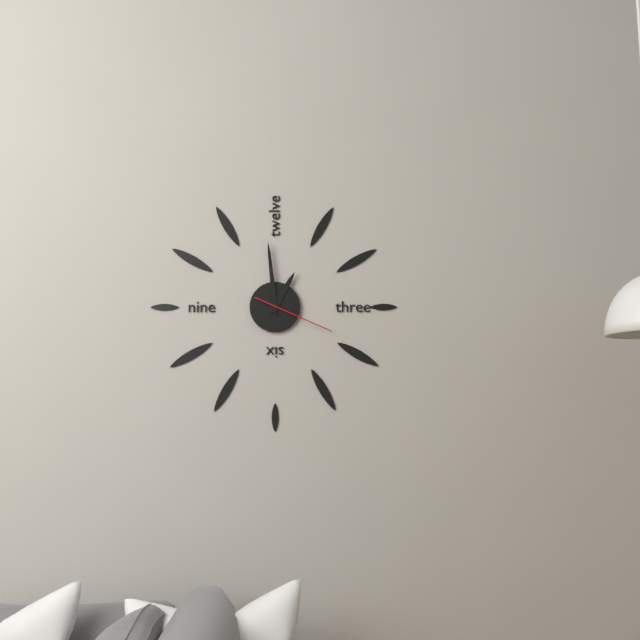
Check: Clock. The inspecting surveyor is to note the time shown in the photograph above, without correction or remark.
12:59:19
